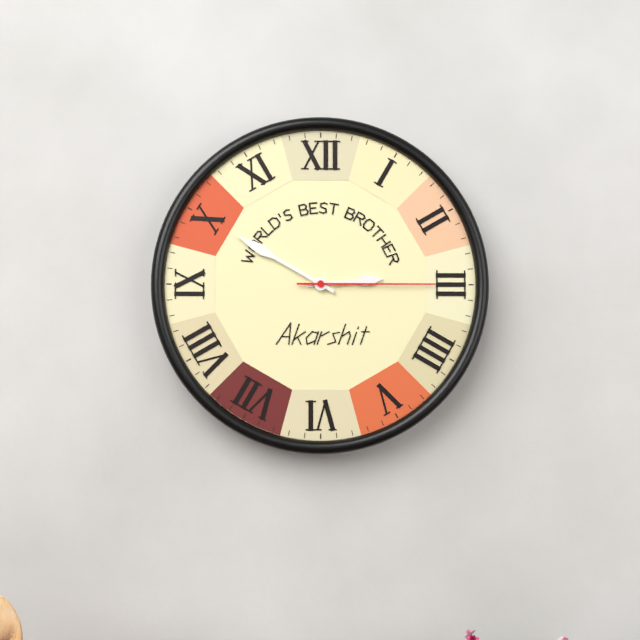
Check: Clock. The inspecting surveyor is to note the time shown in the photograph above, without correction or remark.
2:50:15
